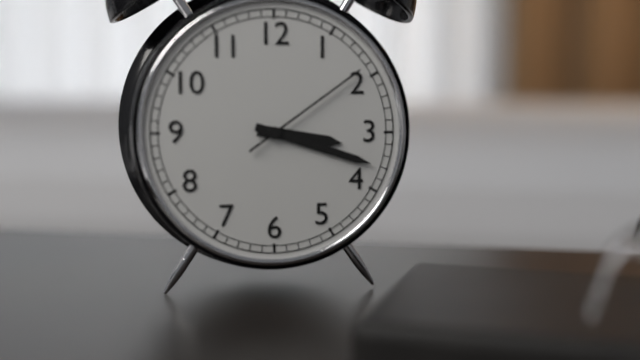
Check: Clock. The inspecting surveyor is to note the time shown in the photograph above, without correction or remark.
3:18:09
